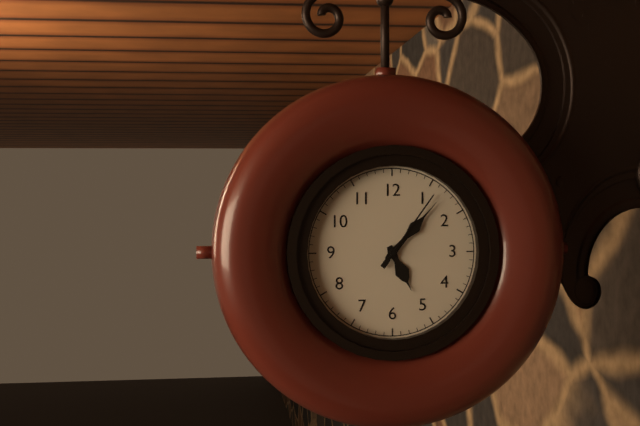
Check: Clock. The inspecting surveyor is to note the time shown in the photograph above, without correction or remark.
5:07:06
